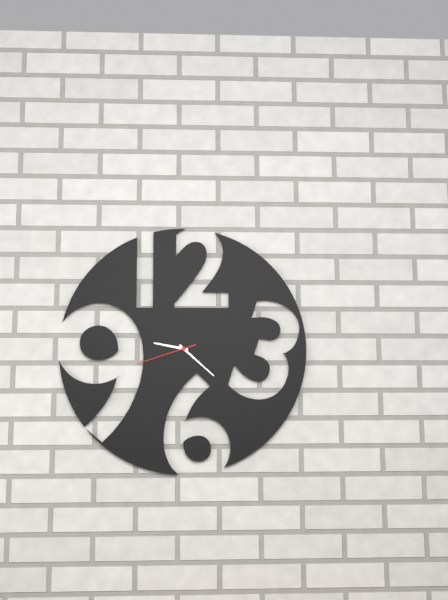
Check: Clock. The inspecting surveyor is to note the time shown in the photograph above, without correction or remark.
9:22:42
